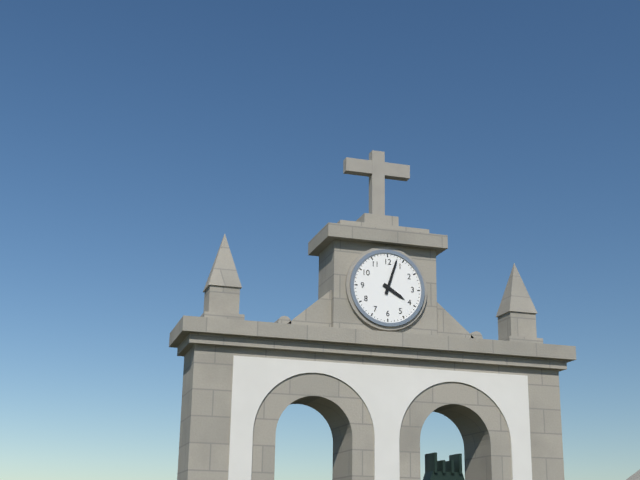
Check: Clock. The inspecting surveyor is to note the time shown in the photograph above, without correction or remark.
4:03
